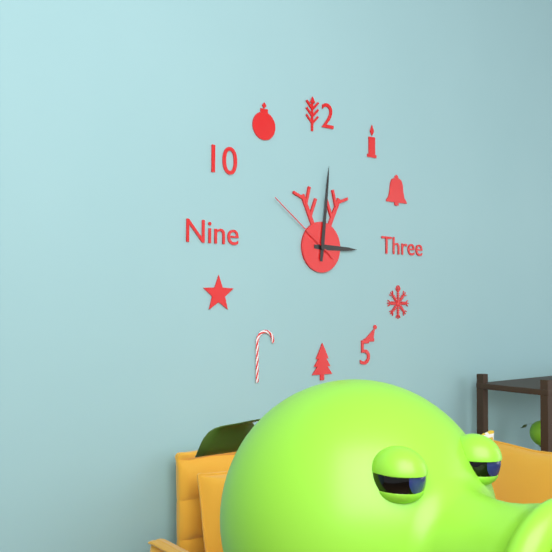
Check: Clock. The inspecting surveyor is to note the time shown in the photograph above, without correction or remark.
3:01:51
